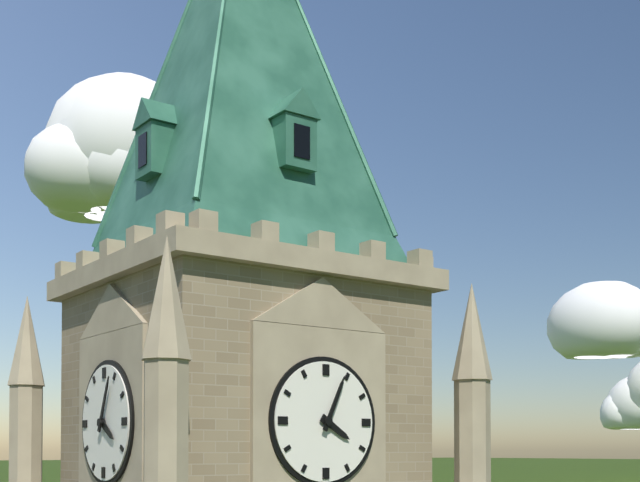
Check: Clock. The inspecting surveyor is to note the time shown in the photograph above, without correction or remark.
4:04
